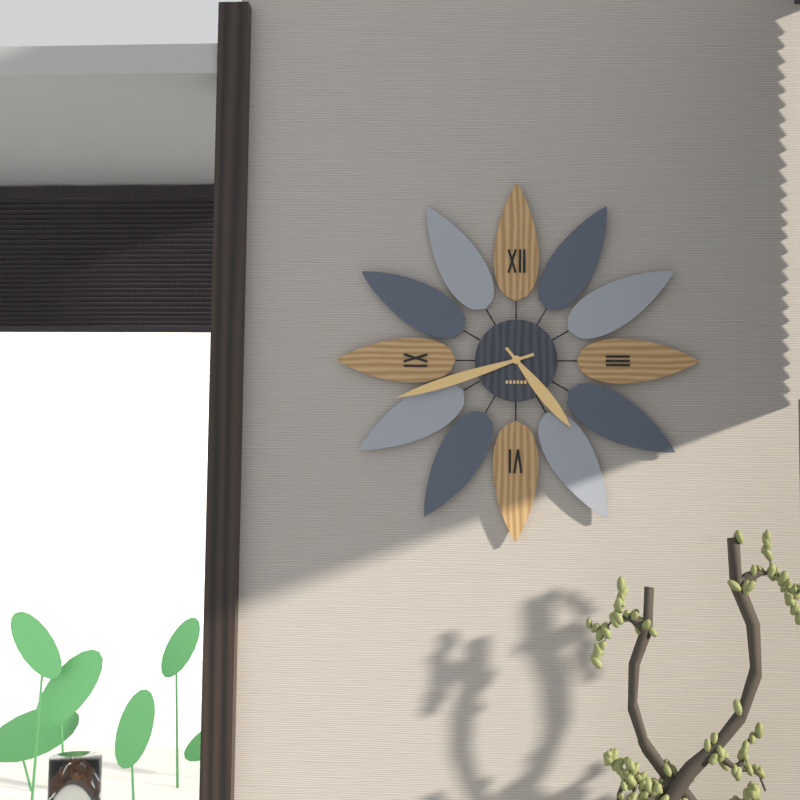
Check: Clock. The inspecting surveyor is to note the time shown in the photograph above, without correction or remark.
4:42
